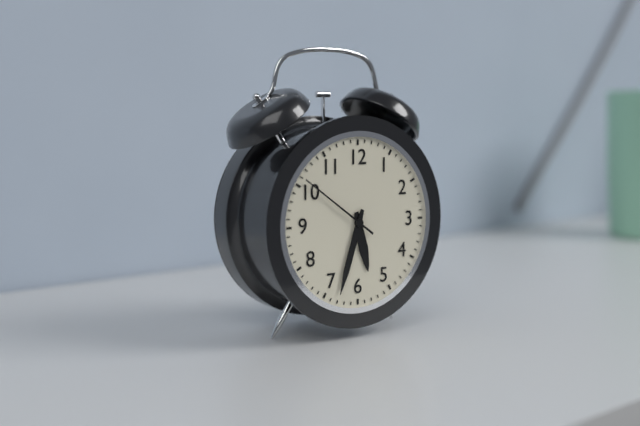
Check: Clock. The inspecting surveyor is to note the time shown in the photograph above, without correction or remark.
5:33:51
